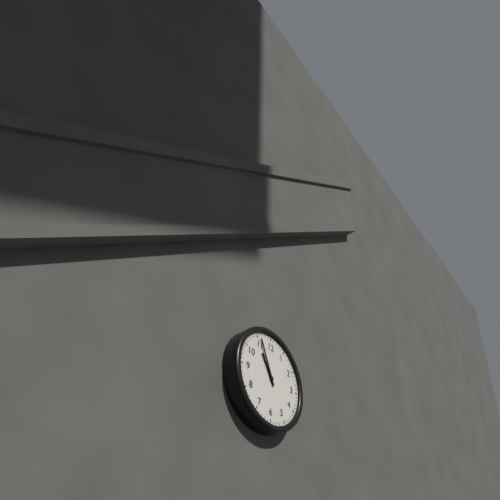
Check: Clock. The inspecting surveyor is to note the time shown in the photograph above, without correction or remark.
10:56
